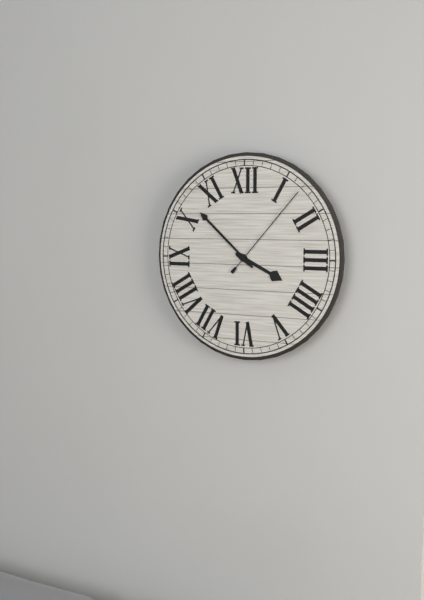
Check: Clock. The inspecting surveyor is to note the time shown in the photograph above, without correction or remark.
3:52:07
